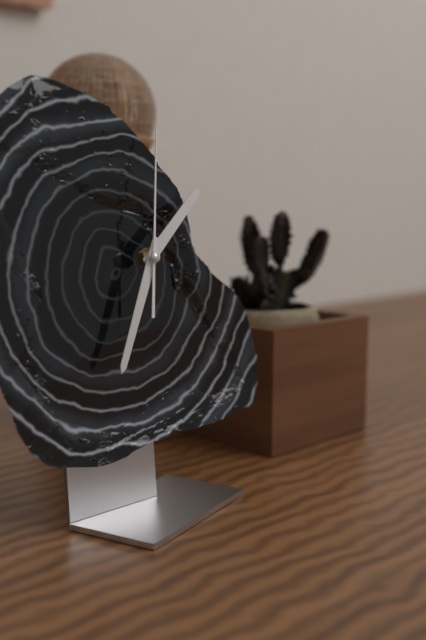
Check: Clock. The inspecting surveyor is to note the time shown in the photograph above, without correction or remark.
1:34:01
